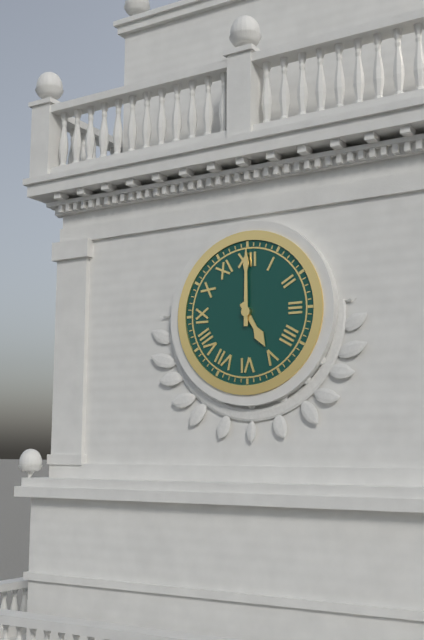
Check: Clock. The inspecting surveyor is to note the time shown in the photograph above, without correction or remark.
5:00
